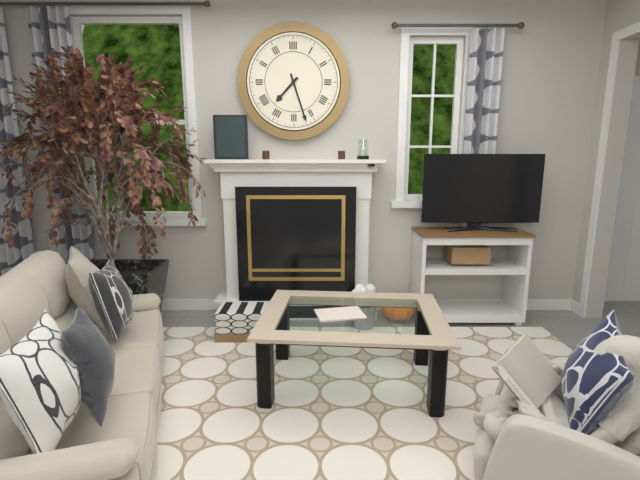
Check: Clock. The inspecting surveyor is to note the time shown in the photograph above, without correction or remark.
7:27
